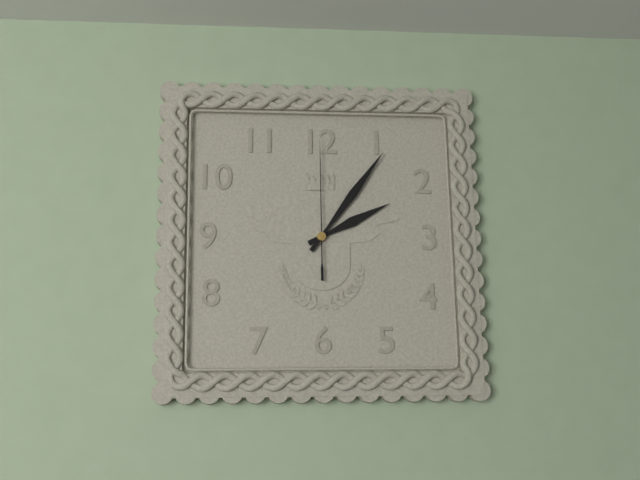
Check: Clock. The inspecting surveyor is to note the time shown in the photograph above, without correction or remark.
2:06:00
